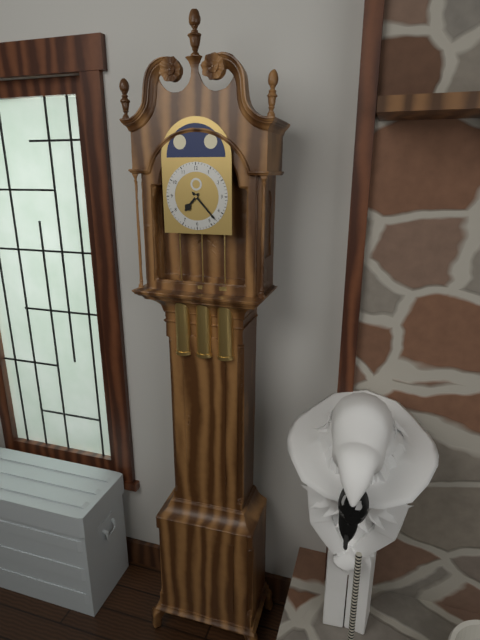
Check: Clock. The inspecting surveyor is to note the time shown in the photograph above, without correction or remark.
7:23
